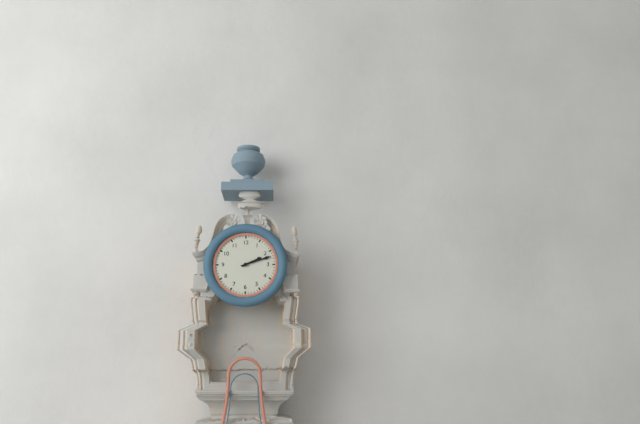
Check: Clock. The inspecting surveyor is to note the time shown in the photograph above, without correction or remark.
2:12
